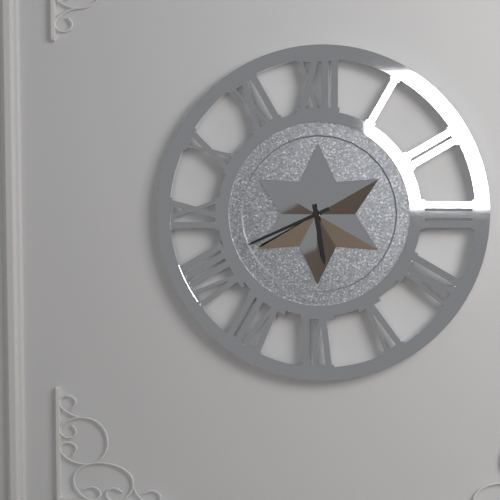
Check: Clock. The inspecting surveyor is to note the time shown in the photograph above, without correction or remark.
5:41
